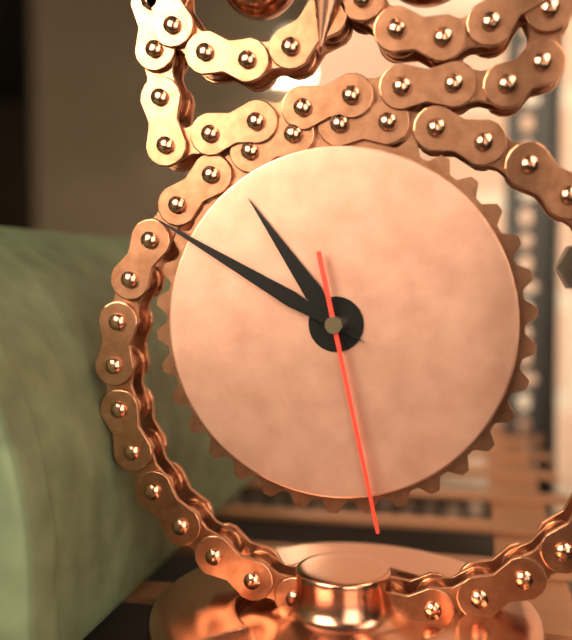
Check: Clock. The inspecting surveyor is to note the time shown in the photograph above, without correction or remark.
10:50:28
